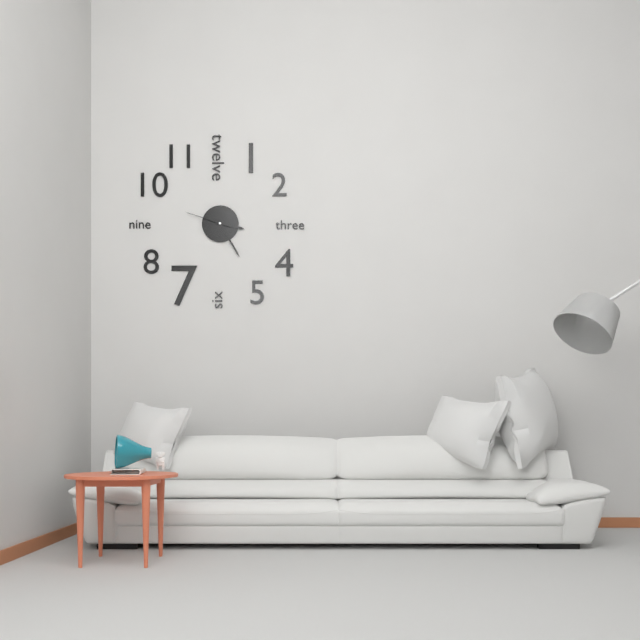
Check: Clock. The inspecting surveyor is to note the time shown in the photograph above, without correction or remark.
3:25
